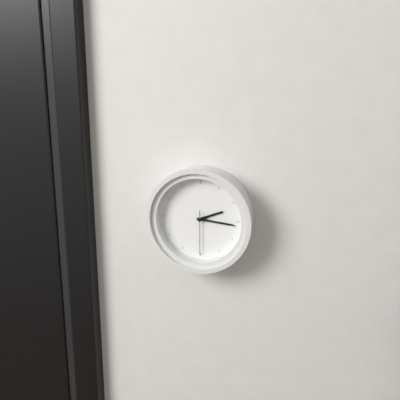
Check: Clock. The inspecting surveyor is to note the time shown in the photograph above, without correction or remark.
2:16
